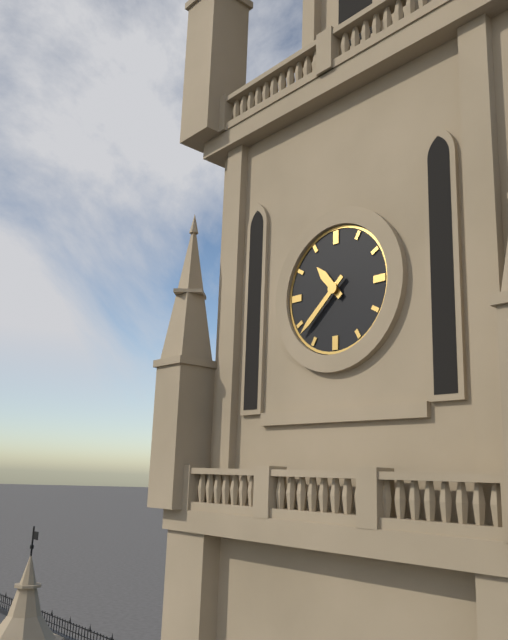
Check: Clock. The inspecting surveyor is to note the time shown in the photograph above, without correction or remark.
10:38
